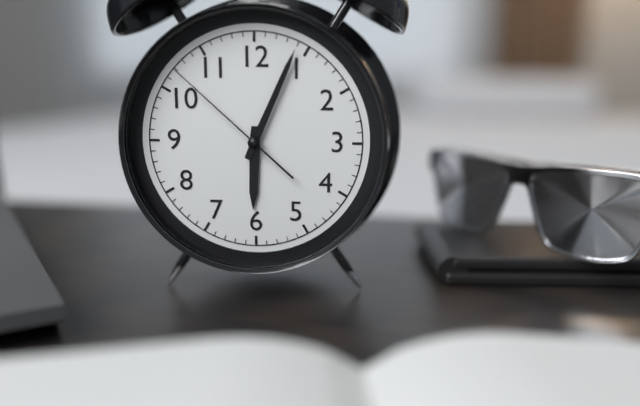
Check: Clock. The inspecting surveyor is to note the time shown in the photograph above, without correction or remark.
6:04:52
